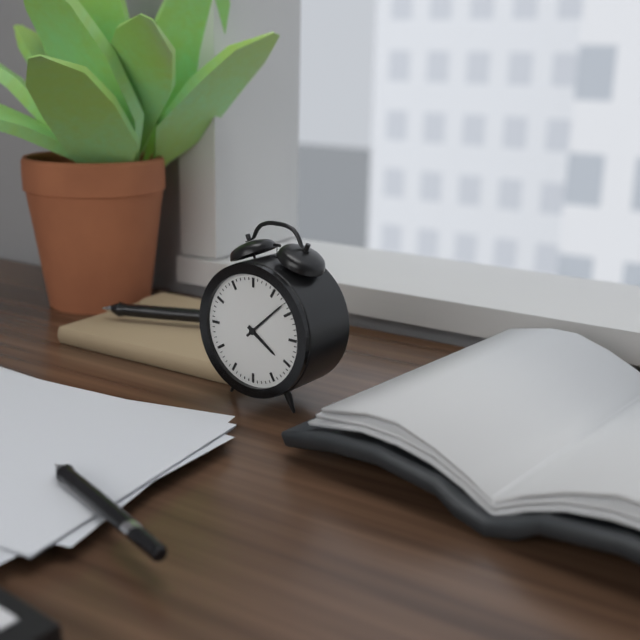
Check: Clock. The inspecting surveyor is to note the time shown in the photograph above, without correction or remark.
4:08
